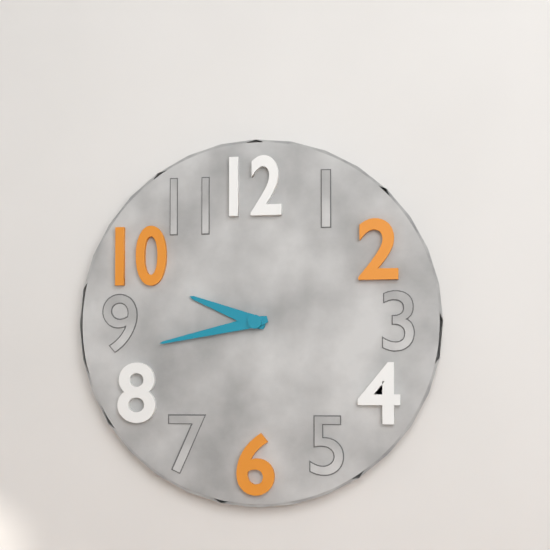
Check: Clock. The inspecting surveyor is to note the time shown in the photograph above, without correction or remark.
9:43
